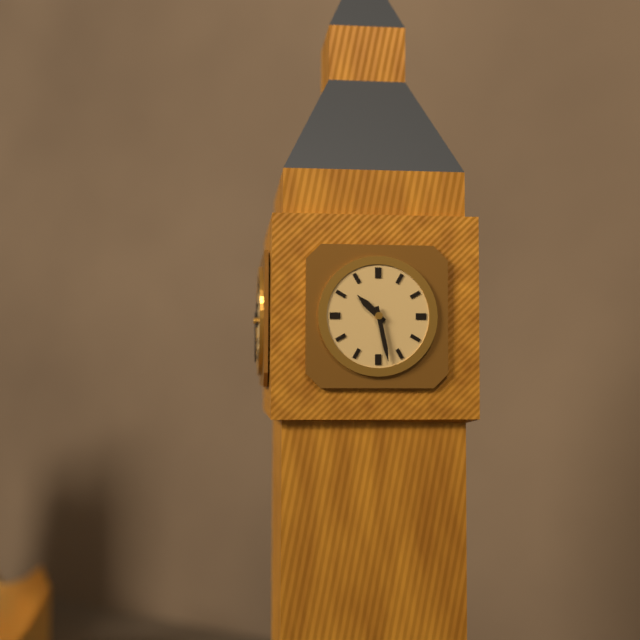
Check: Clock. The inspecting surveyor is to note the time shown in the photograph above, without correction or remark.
10:28
